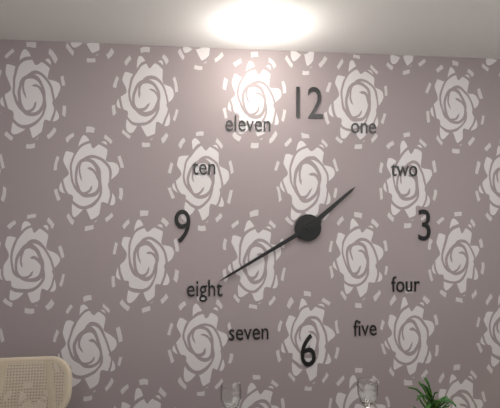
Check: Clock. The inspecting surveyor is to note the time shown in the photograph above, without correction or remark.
1:40
